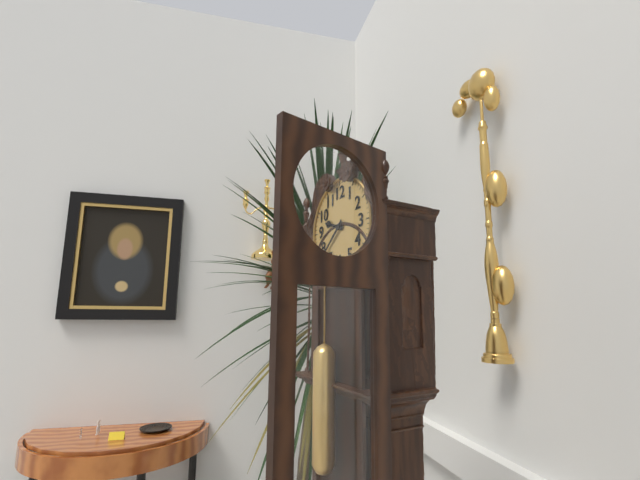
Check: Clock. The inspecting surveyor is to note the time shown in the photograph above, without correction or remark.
9:38
